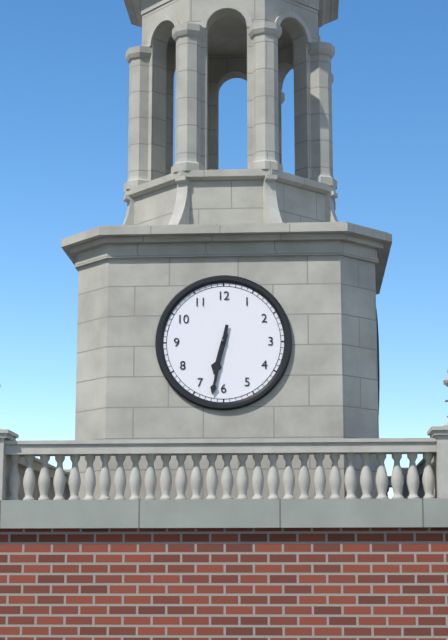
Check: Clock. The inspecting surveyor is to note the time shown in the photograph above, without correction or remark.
6:32
